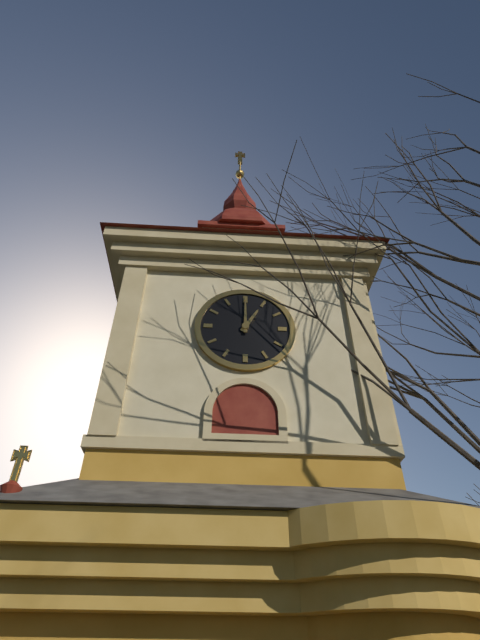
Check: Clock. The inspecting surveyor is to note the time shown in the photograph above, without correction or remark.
1:00
